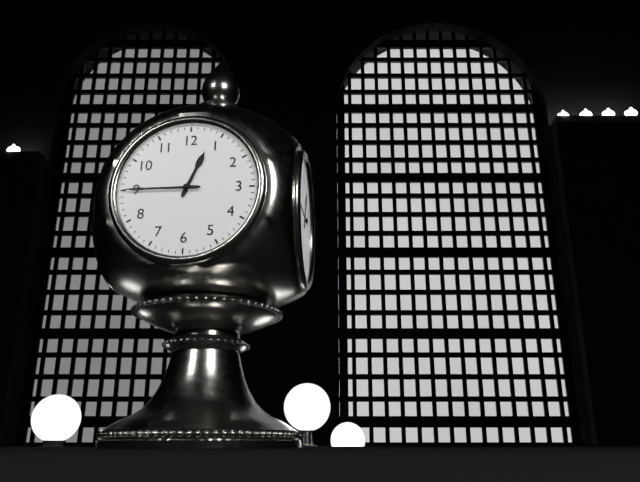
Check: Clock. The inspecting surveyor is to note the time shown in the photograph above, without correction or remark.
12:45
